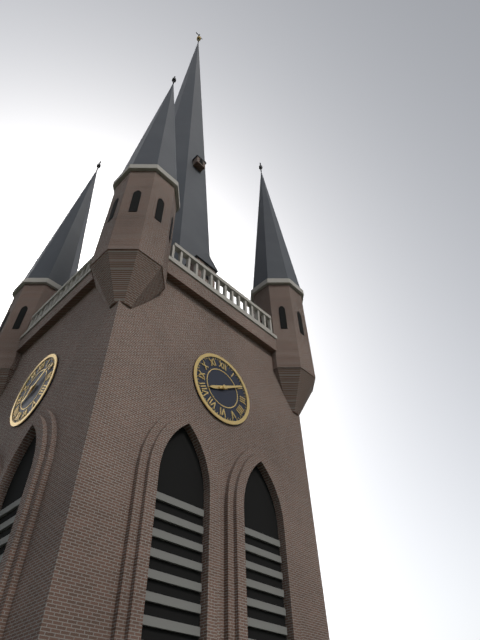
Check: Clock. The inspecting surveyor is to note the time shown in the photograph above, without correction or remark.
8:10
